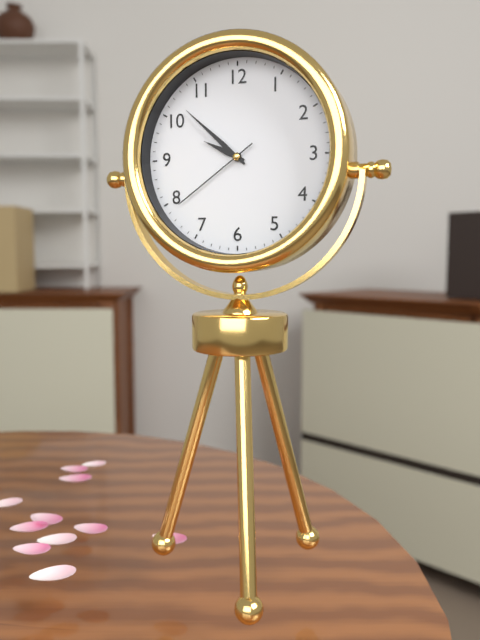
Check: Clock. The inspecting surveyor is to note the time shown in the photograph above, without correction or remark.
9:52:39
